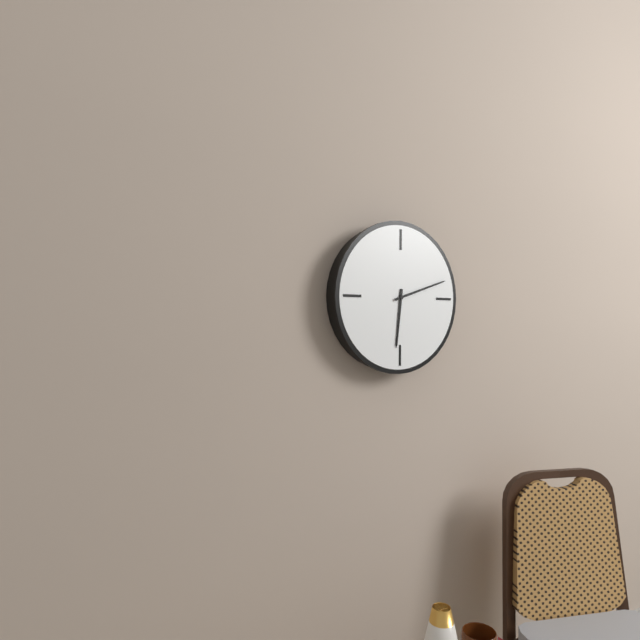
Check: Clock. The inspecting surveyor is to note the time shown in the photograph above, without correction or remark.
6:12
